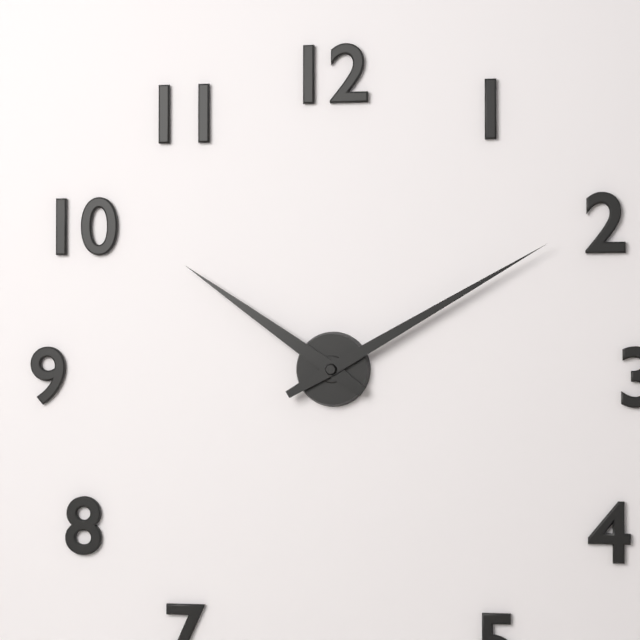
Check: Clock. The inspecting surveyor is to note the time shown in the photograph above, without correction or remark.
10:10
